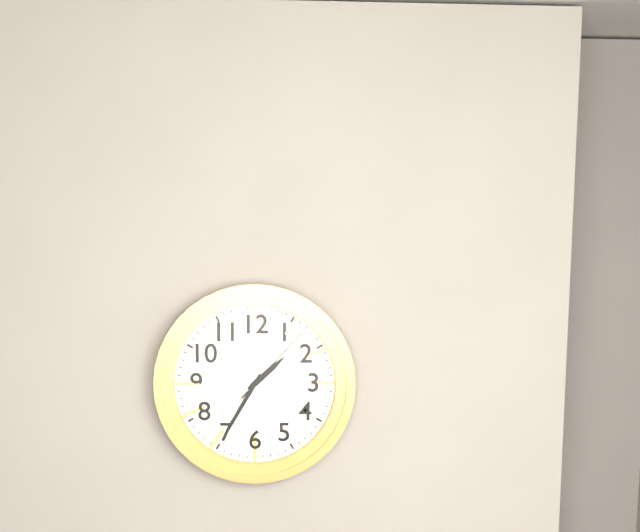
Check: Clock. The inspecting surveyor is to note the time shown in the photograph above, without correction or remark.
1:35:07
